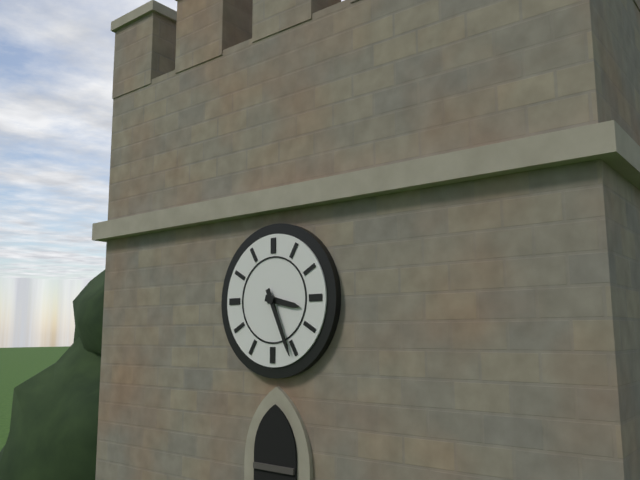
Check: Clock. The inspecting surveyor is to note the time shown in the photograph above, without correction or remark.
3:26
